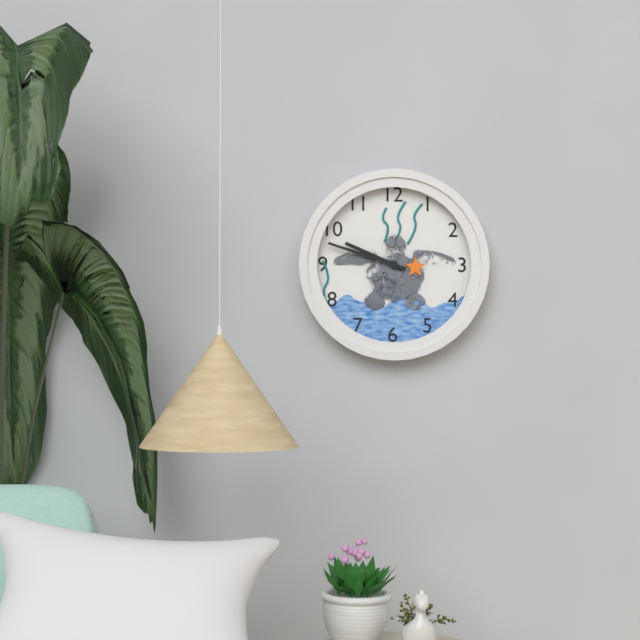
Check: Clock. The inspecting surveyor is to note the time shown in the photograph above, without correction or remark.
9:48
